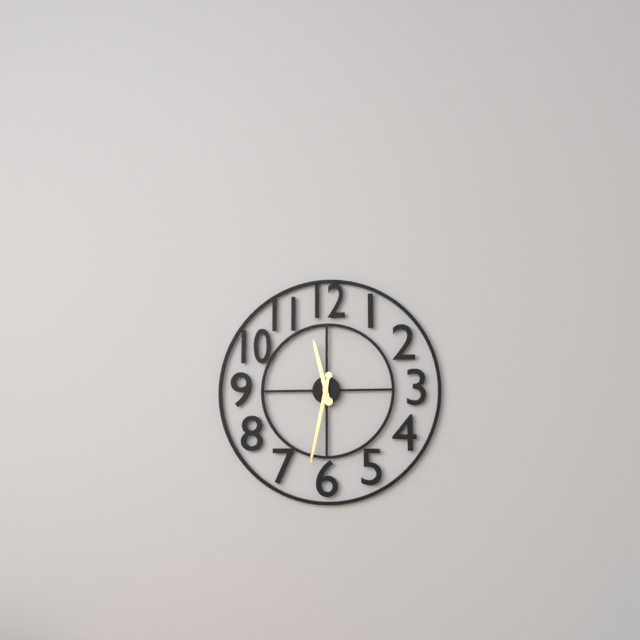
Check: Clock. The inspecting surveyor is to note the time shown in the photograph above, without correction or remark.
11:32
